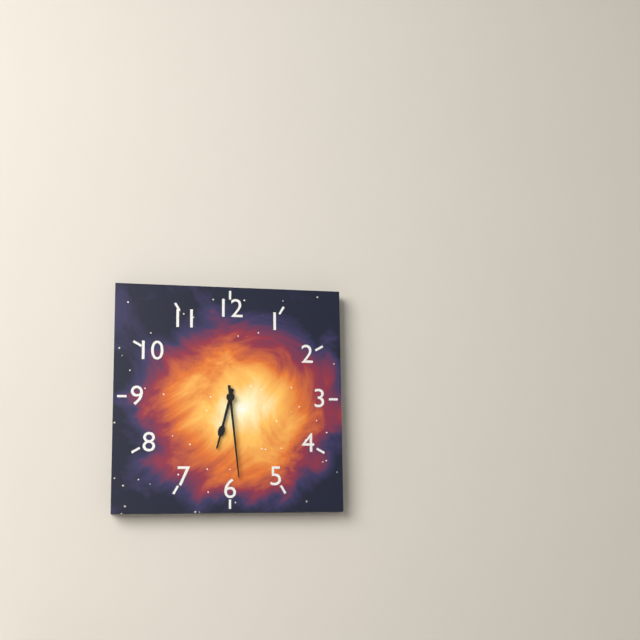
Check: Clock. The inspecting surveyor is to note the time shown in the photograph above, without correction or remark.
6:29
